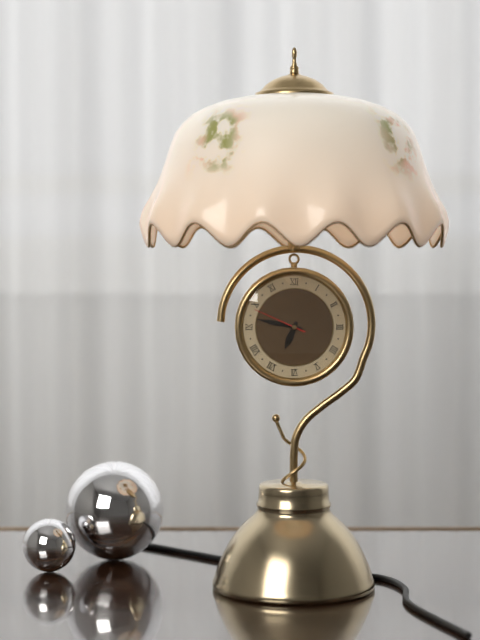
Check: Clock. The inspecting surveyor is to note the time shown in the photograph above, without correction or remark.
6:47:49
